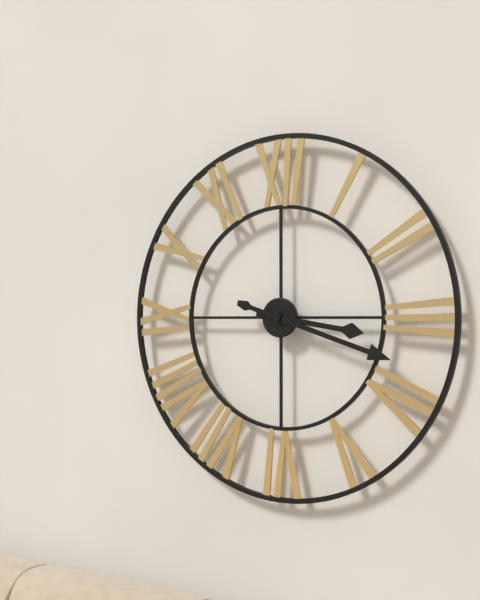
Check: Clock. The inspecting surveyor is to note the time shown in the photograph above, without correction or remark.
3:18
